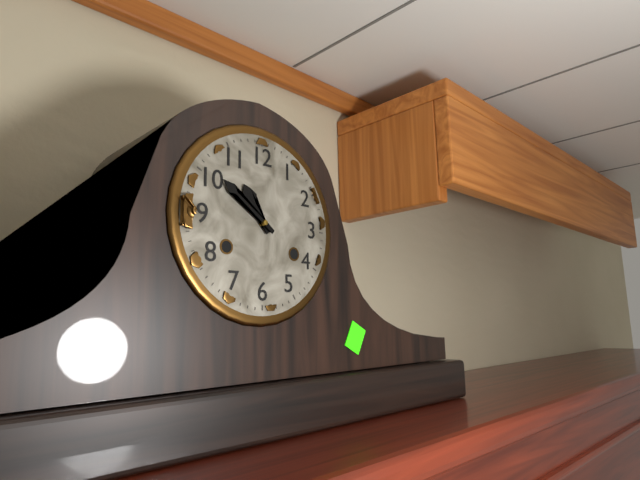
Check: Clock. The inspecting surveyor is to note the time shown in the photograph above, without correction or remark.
10:51
